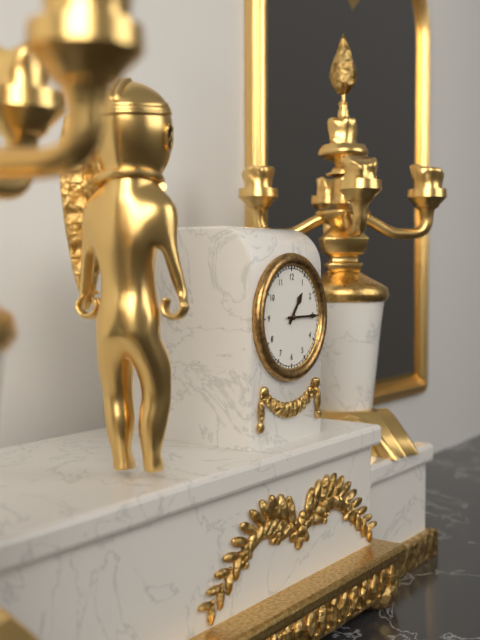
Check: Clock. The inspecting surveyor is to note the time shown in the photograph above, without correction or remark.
1:15
